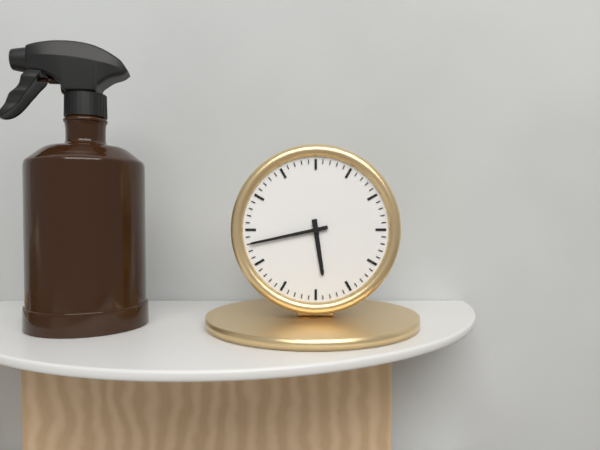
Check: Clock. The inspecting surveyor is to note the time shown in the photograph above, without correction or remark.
5:43
